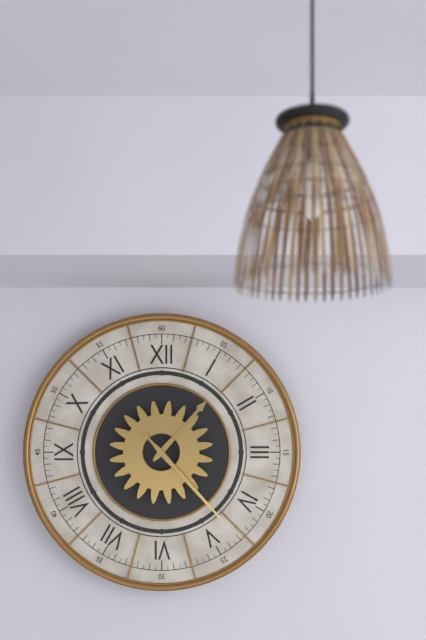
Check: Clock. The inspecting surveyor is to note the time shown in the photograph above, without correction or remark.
1:23
